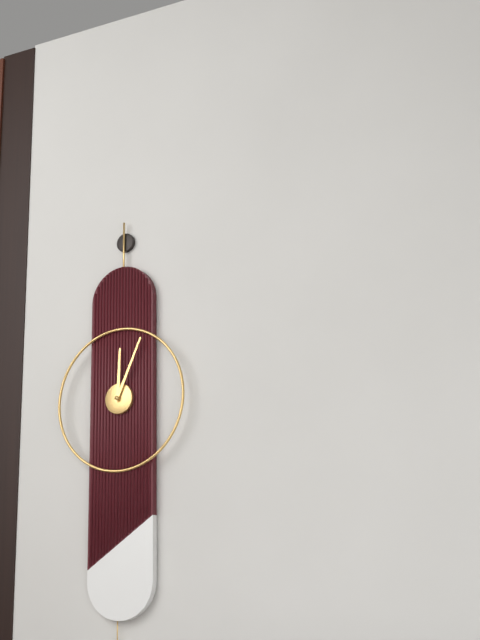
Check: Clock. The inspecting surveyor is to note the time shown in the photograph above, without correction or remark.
12:04
